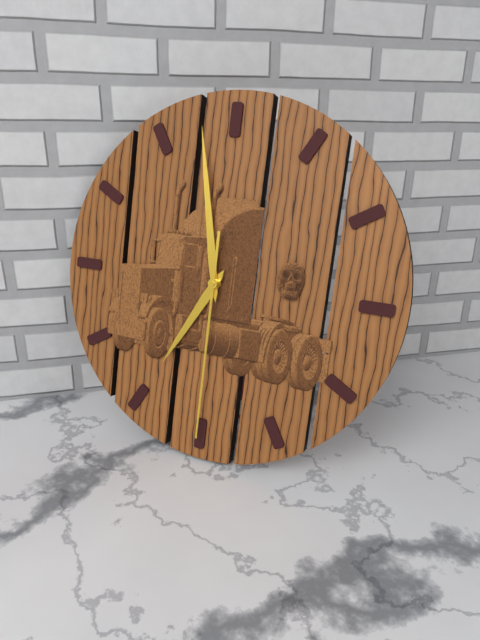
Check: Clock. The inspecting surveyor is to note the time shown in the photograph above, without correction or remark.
6:58:30
